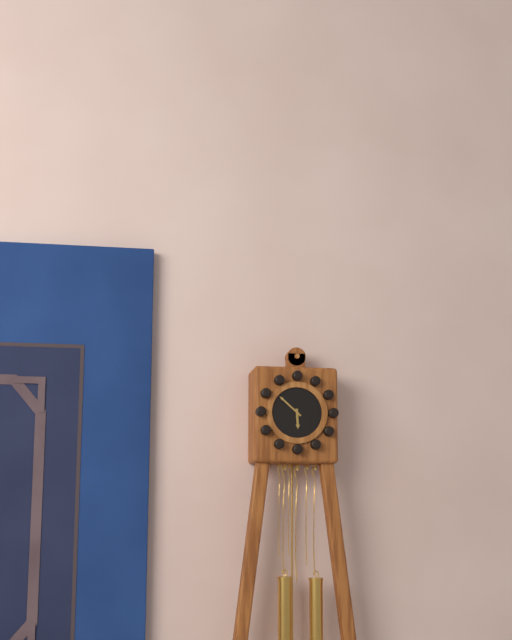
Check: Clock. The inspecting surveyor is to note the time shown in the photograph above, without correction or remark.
5:52
